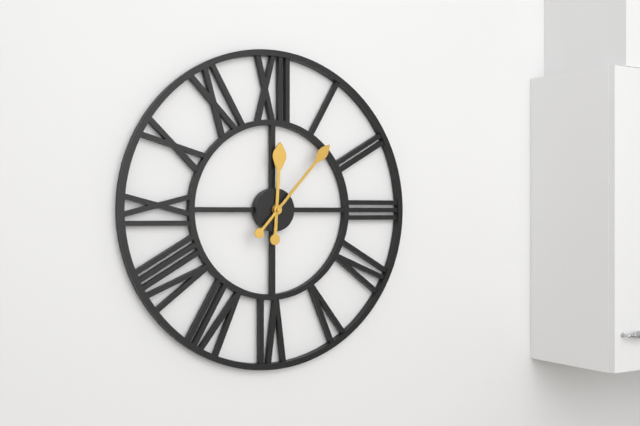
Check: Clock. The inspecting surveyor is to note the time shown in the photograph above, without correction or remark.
12:07
